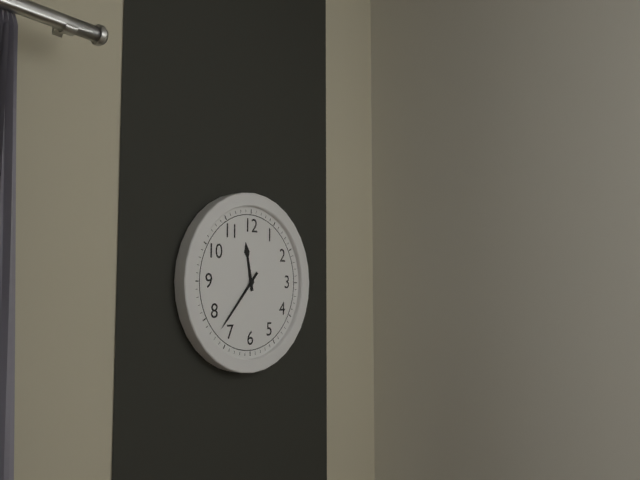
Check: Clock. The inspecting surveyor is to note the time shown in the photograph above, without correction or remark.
11:37
